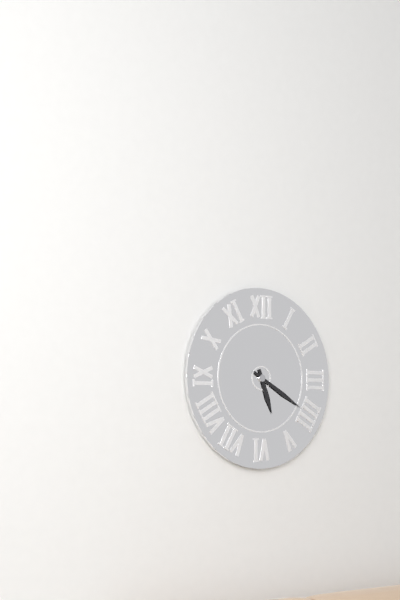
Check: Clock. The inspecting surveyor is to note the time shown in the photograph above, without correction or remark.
5:20
